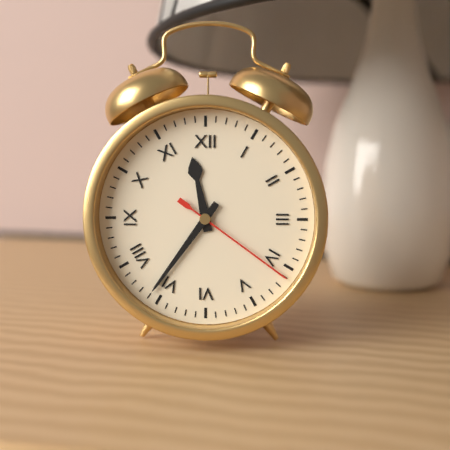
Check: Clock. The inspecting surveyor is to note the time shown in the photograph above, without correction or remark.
11:36:21
